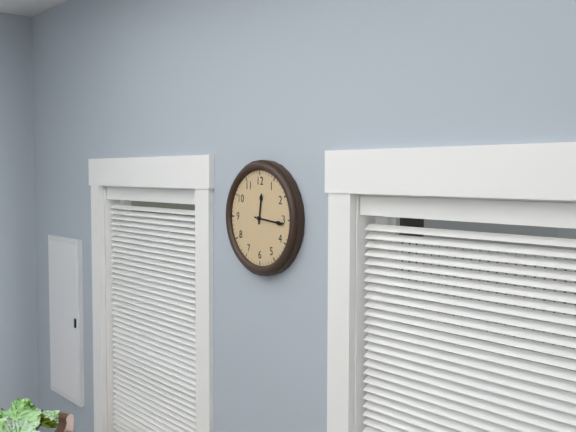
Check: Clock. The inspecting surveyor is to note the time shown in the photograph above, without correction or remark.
12:16
